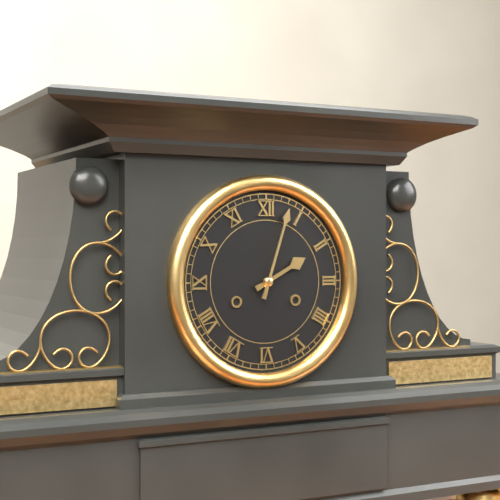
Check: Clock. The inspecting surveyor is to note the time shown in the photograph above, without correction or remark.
2:03
